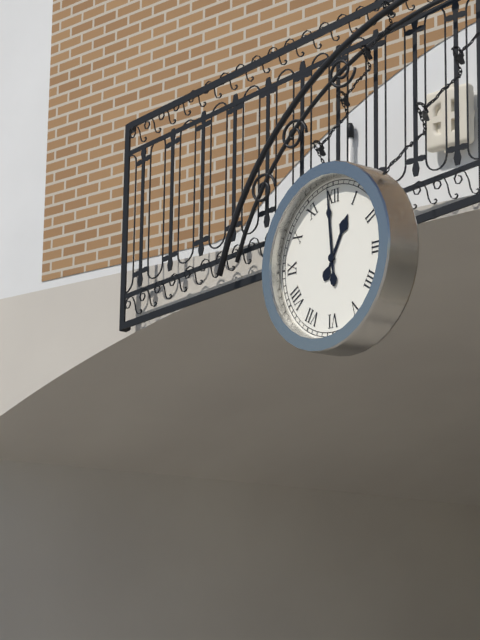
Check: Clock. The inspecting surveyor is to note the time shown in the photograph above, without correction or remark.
12:59
